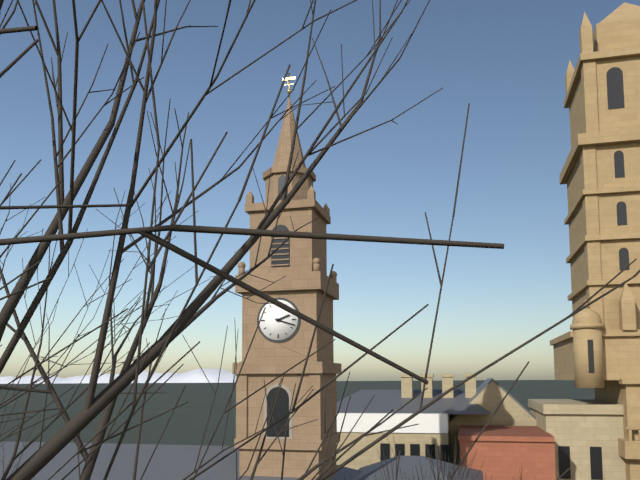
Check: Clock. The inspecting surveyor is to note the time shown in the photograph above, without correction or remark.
2:18
